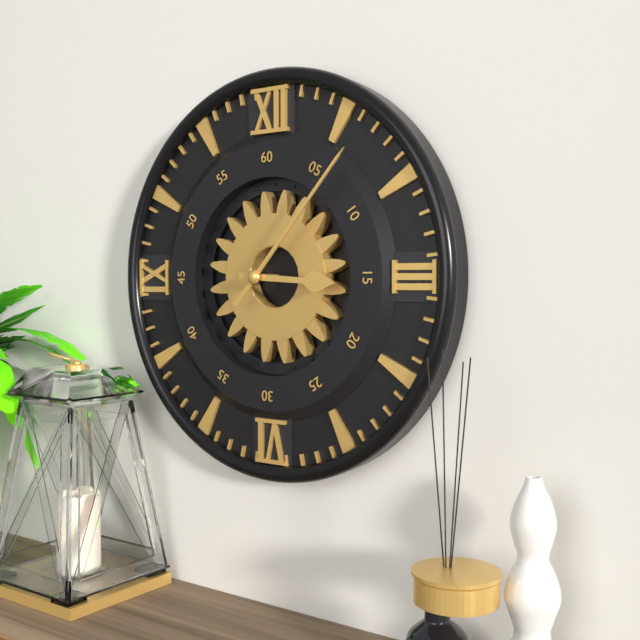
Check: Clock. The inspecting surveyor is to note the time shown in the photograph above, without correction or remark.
3:07
